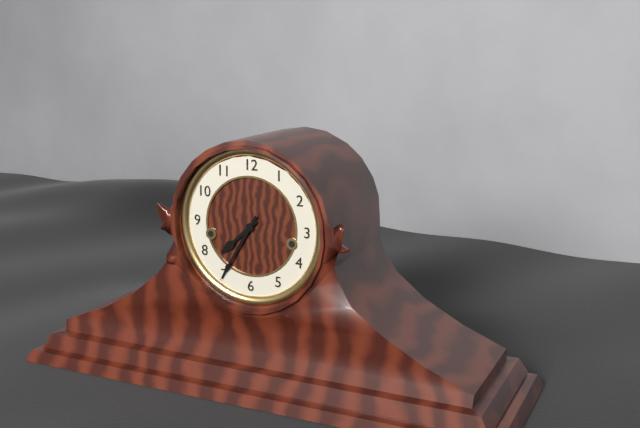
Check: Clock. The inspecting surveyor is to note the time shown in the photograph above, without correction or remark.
7:35
